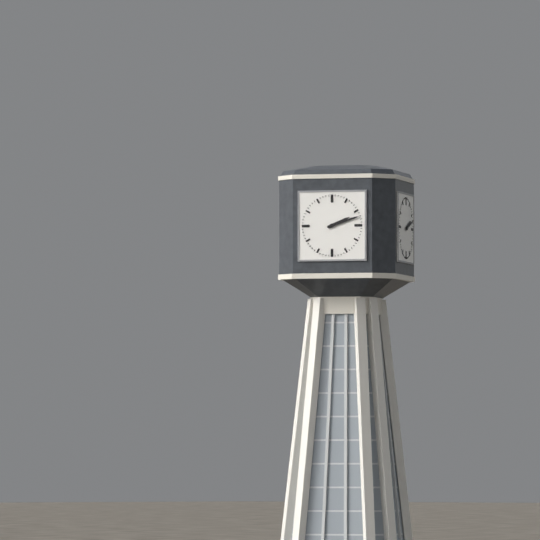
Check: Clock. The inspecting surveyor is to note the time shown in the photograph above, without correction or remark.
2:12
